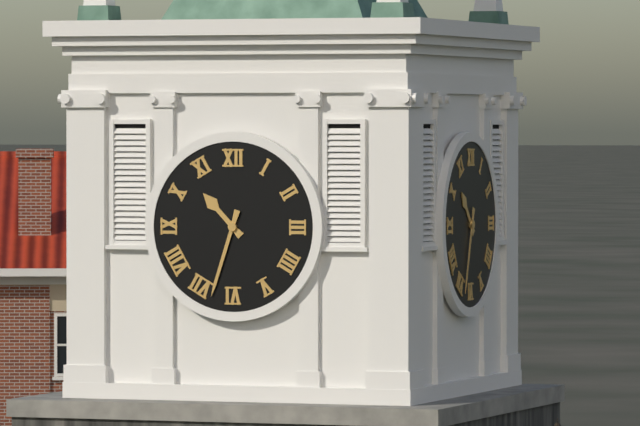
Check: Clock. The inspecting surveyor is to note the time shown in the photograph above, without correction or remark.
10:33
